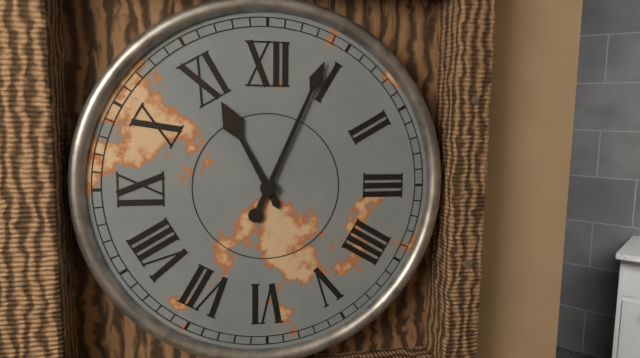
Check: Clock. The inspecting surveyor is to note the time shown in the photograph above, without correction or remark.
11:04
